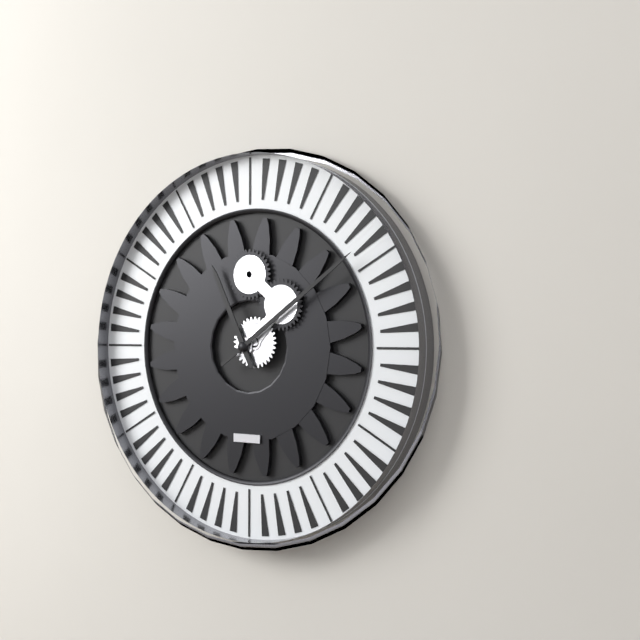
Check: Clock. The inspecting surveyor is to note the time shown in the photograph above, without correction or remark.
11:09
